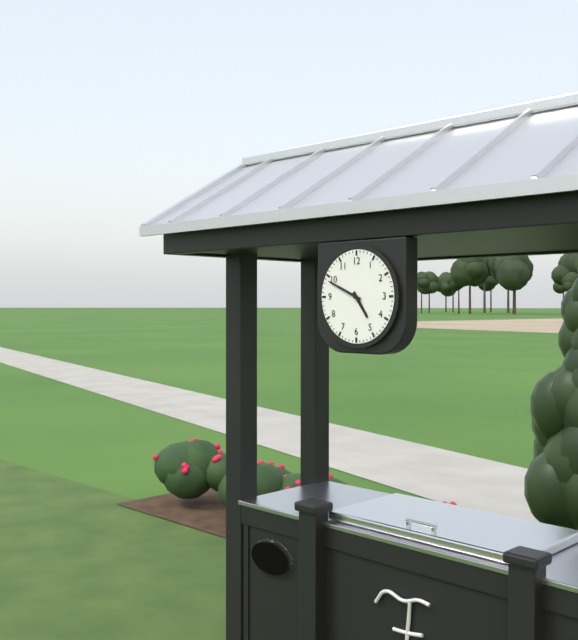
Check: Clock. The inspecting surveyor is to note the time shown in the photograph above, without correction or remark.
4:49
